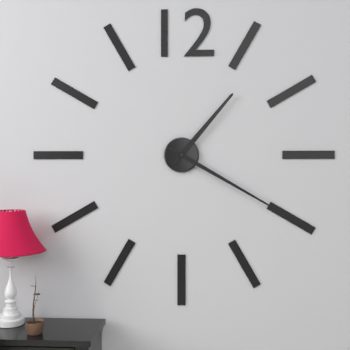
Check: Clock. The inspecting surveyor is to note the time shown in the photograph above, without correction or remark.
1:20
